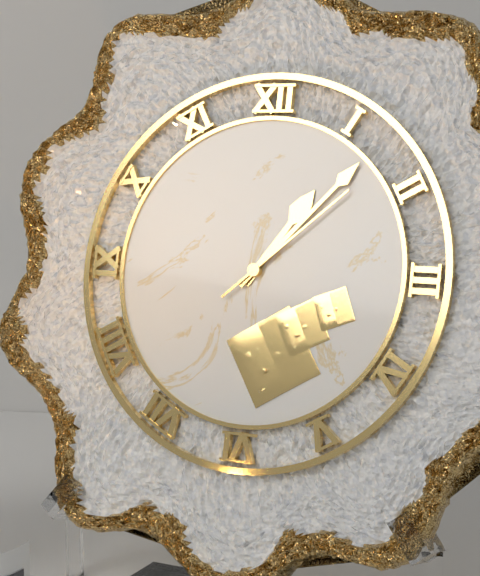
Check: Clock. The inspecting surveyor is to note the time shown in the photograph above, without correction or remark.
1:07:08
